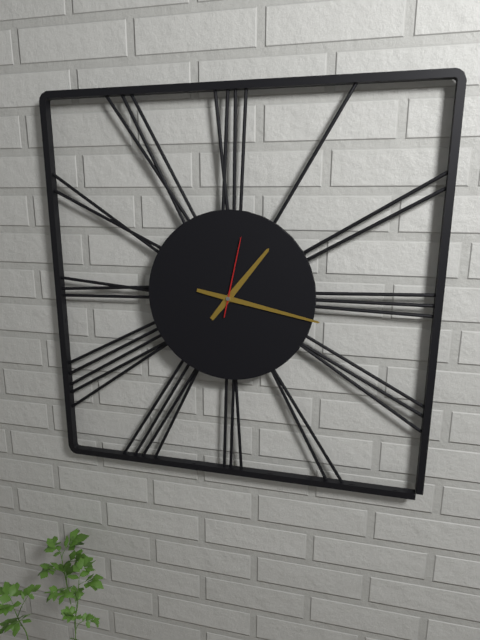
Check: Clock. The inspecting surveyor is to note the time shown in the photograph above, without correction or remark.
1:17:02
